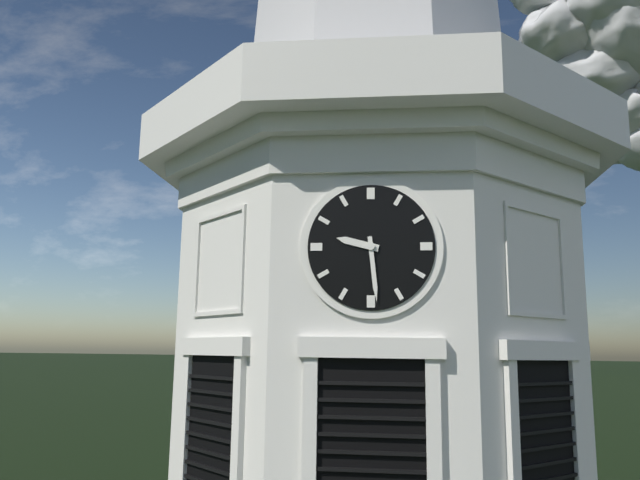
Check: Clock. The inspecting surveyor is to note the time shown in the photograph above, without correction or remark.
9:29
